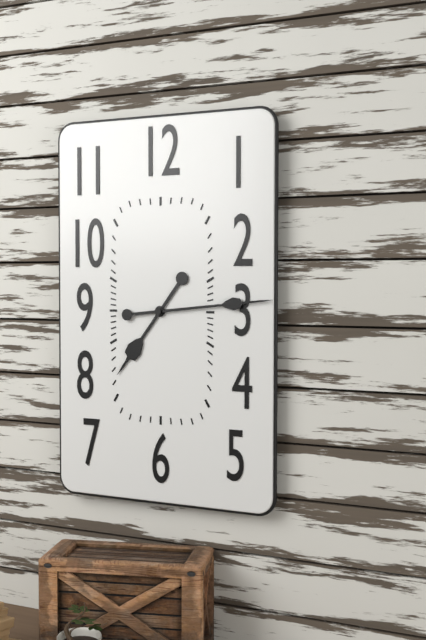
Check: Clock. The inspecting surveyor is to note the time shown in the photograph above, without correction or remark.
7:14
